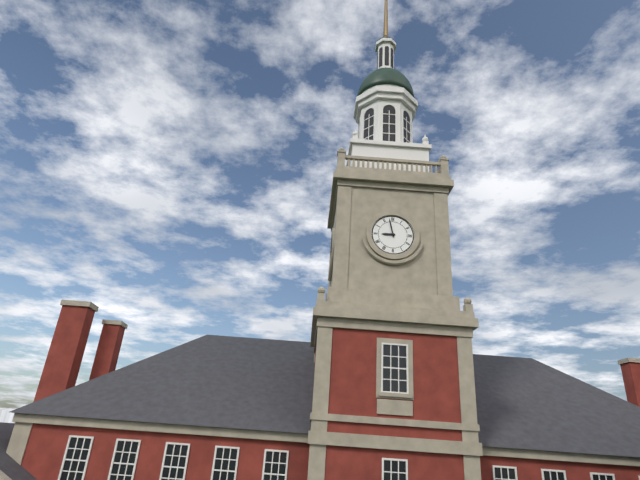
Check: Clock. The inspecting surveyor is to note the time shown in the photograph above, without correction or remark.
8:58
